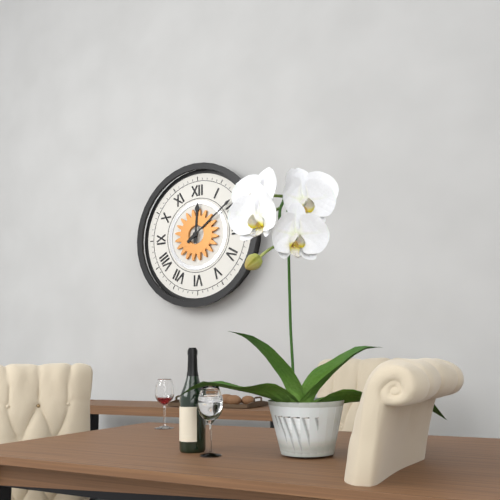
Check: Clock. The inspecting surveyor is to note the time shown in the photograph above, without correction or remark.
12:09
